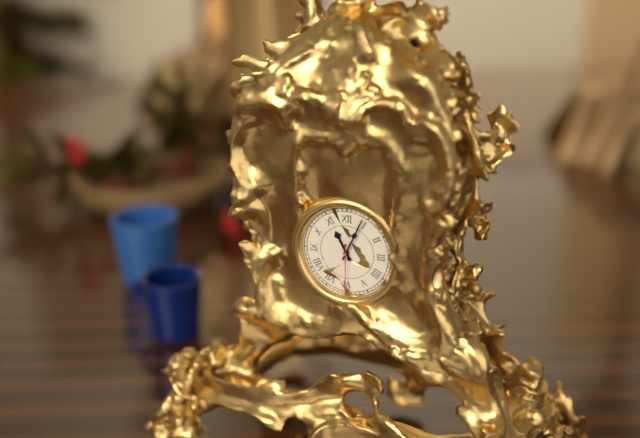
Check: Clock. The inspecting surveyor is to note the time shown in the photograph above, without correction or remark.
11:04:30
